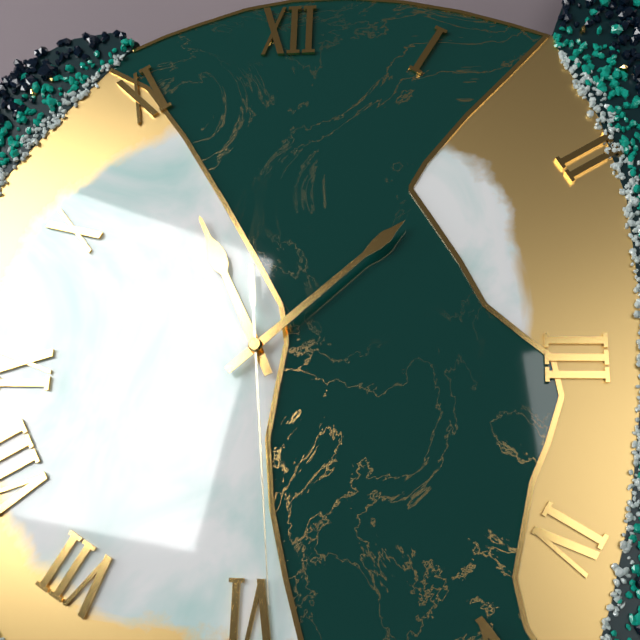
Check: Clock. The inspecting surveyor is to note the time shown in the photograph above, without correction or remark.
11:08:29
